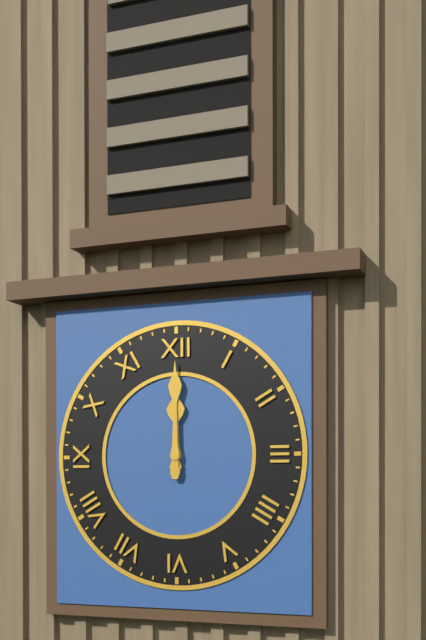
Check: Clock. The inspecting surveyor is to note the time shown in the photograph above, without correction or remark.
12:00
